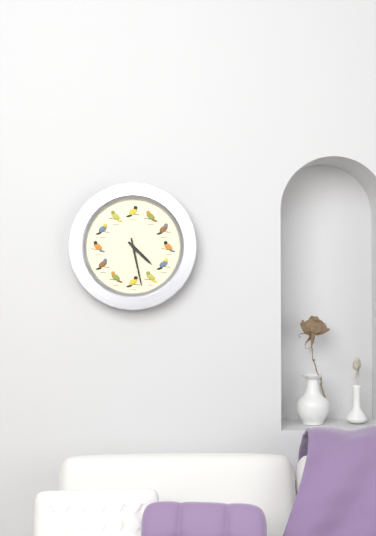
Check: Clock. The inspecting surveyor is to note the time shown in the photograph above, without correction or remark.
4:28
